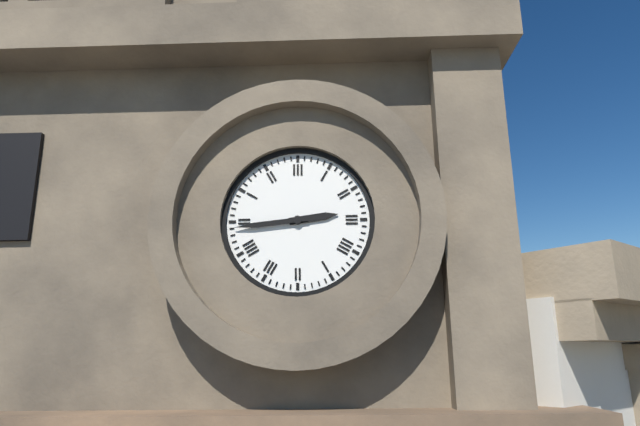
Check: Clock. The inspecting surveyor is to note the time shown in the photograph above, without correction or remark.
2:44
